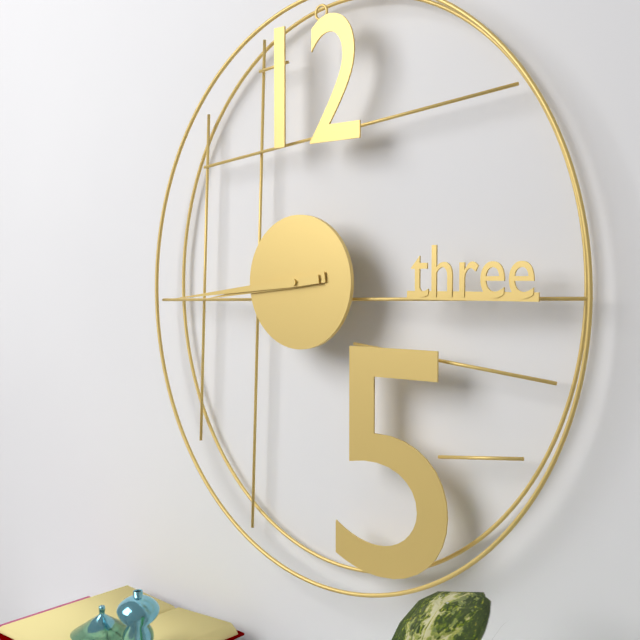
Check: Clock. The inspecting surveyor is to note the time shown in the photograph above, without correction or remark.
8:44
